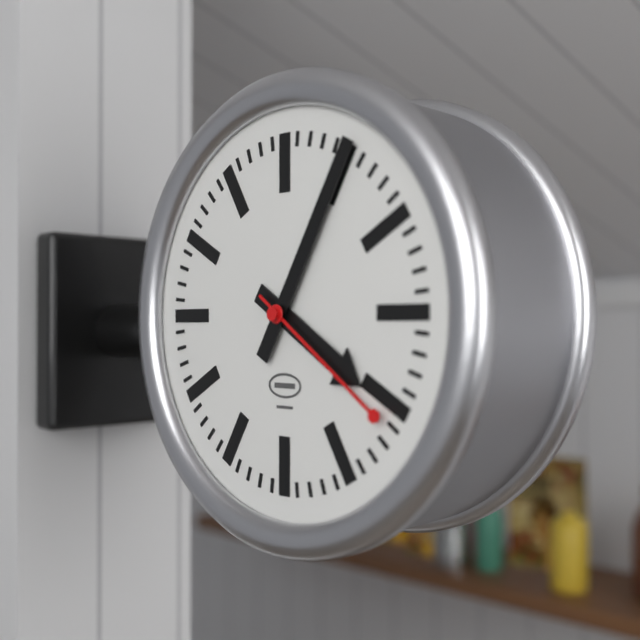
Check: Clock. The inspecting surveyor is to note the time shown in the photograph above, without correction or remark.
4:05:21
